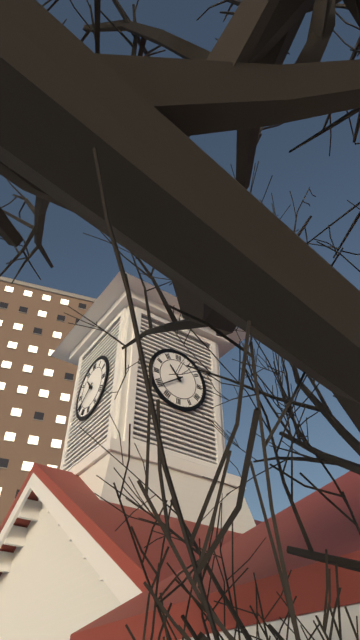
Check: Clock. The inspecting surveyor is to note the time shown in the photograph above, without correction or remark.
10:39
